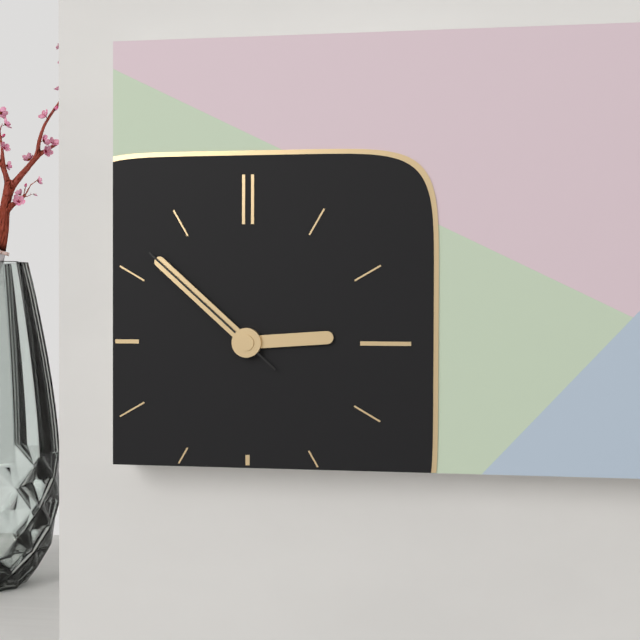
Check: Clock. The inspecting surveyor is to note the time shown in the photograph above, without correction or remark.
2:52:52
